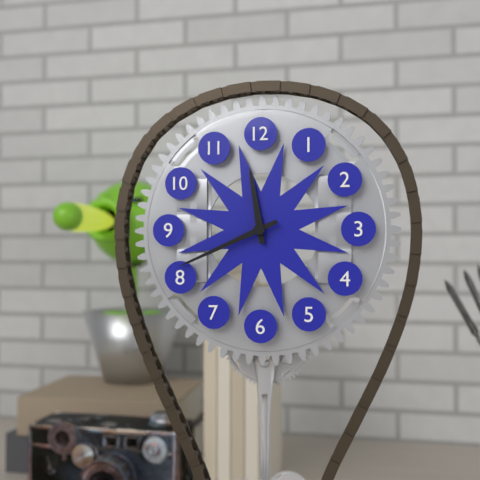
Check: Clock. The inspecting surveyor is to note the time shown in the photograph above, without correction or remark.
11:41
